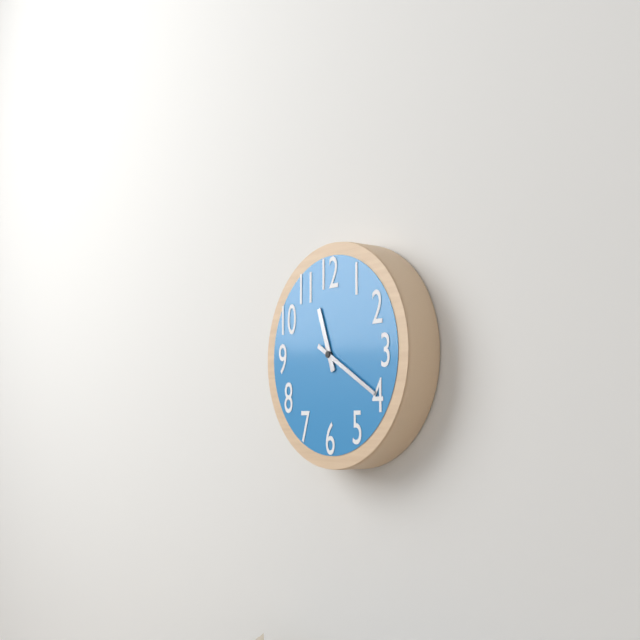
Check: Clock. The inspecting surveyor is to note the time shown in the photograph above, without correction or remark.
11:20
